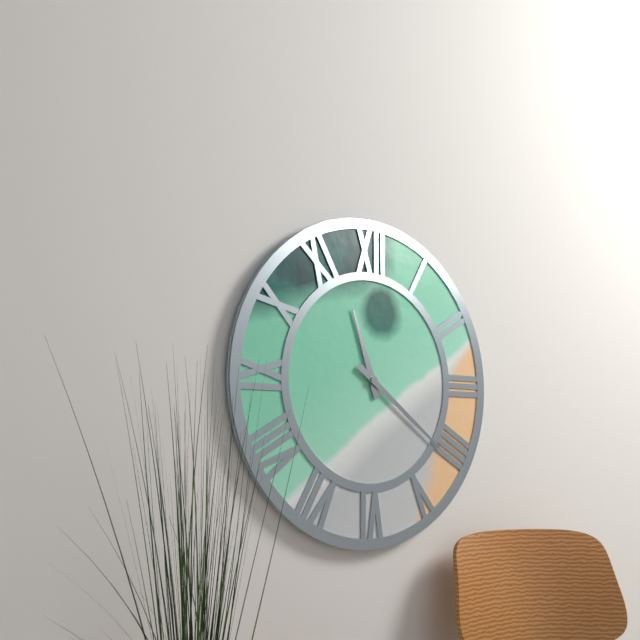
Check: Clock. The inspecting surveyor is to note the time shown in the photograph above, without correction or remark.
11:21
